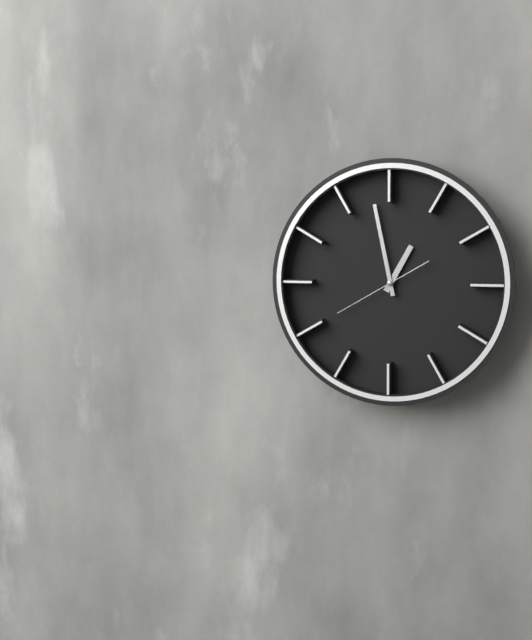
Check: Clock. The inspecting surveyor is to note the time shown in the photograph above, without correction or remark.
12:58:40
